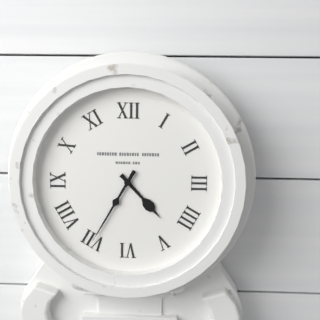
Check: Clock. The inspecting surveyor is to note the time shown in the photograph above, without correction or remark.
4:35
